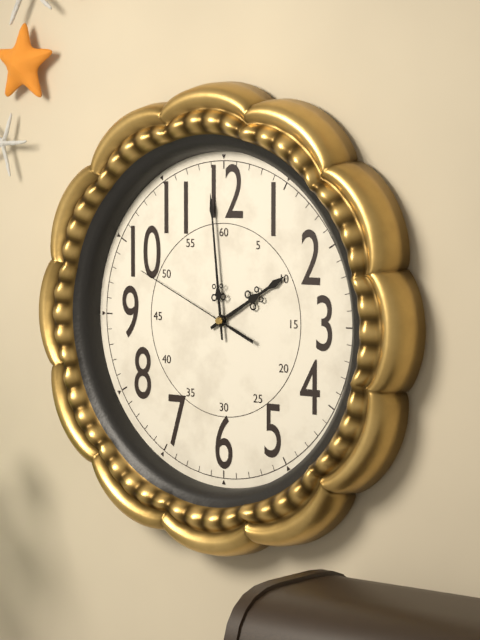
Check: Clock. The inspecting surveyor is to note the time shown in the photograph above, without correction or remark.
1:59:49
